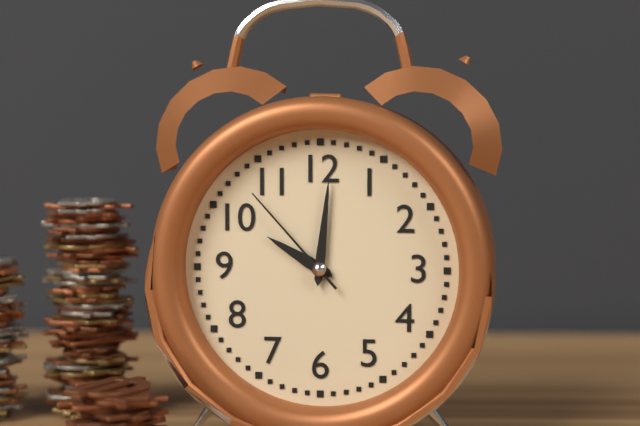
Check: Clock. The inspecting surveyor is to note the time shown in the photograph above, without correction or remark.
10:01:53
